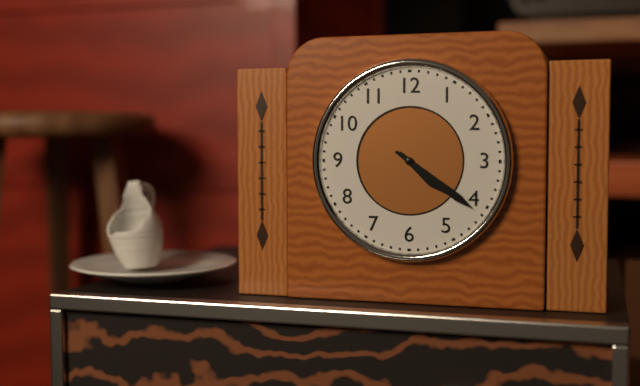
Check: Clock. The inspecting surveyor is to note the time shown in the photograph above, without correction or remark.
4:21
